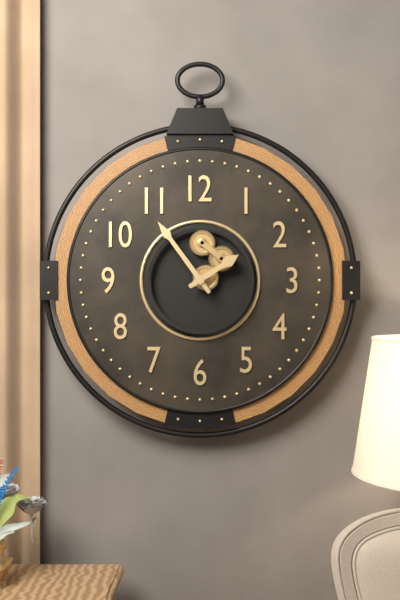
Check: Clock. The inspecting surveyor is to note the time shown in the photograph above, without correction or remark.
1:54
